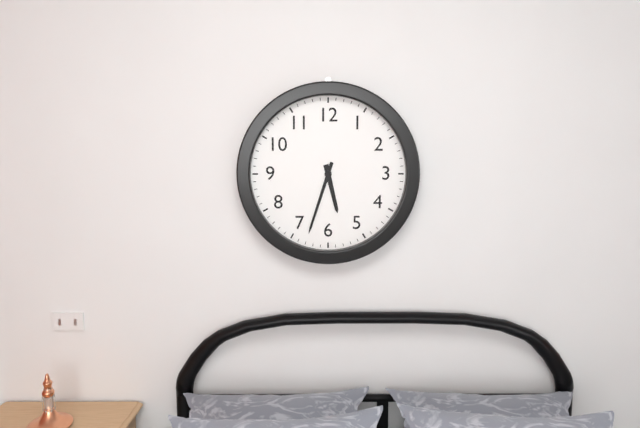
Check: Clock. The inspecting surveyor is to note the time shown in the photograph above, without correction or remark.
5:33
